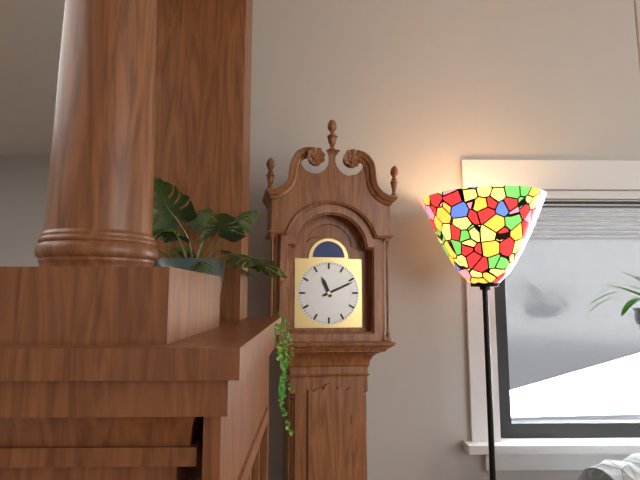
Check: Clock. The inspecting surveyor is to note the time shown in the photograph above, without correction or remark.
11:11
